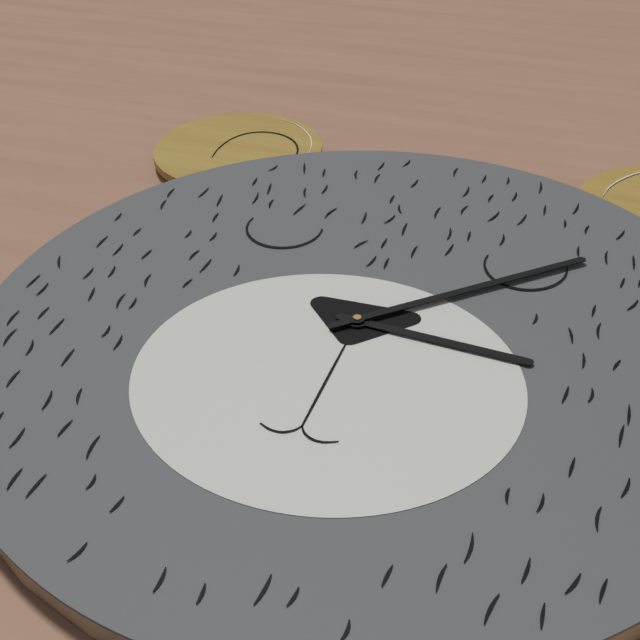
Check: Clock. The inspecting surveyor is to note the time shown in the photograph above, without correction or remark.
3:08
